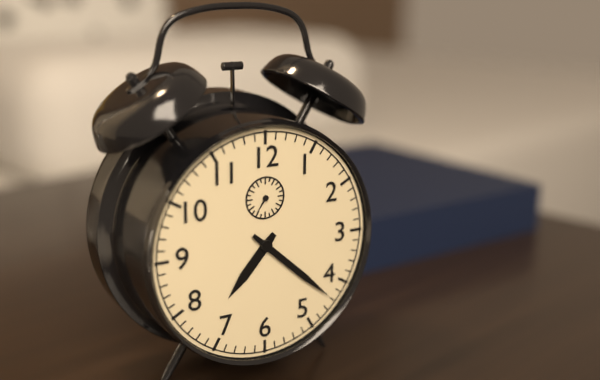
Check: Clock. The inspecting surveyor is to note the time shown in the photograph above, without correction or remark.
7:22
